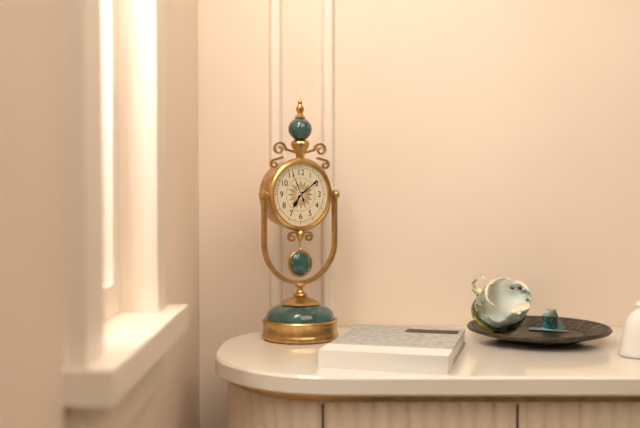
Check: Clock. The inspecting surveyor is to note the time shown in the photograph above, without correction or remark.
7:09
